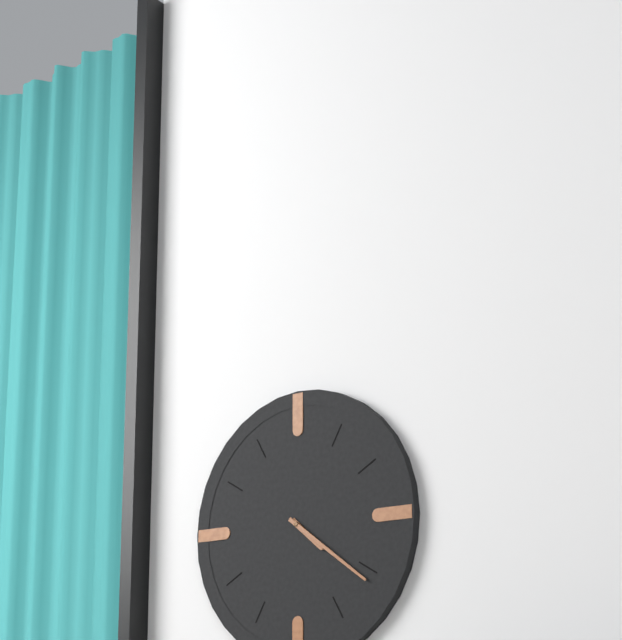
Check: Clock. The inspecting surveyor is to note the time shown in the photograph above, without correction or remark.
4:21
